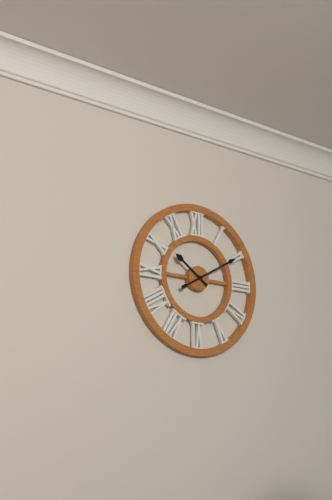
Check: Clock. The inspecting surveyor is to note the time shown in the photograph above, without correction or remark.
10:10
